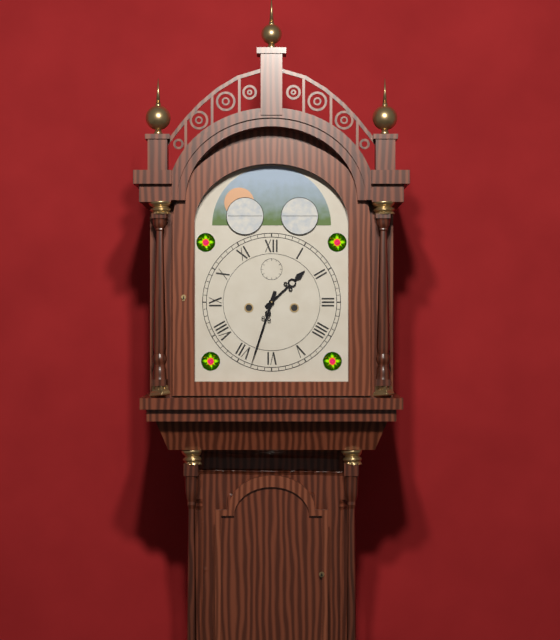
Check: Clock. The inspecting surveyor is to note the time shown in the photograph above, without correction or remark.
1:33
